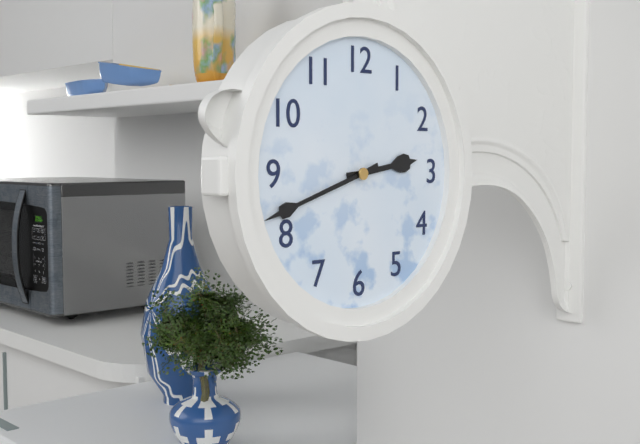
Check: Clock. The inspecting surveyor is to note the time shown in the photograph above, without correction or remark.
2:42
